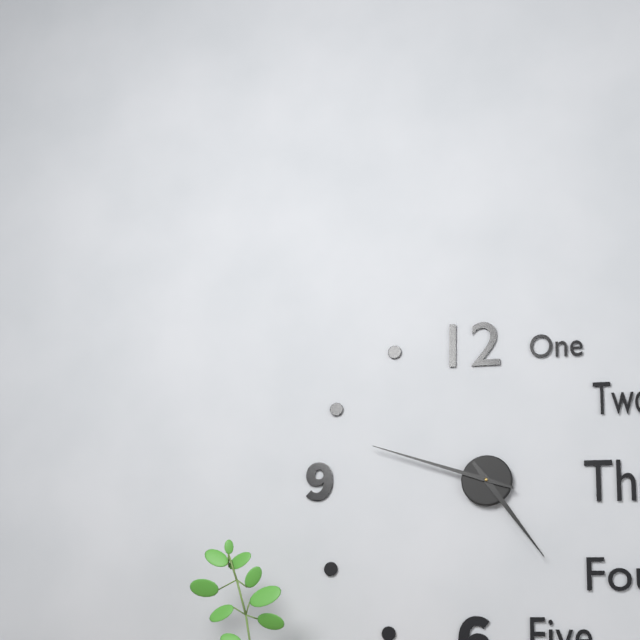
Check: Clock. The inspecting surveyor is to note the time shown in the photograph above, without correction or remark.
4:48
